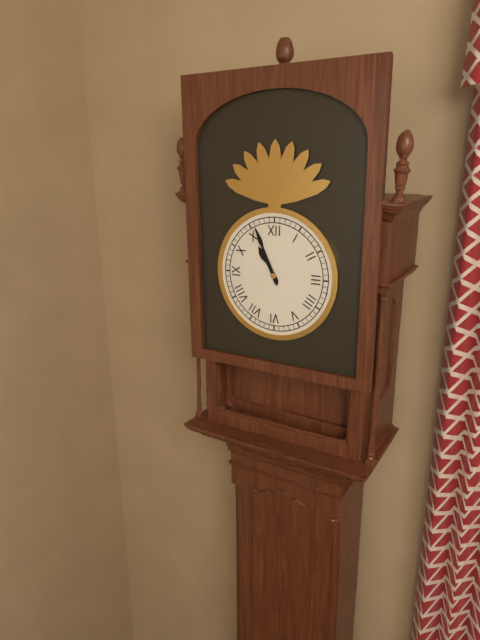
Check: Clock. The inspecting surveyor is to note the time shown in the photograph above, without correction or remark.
10:56
